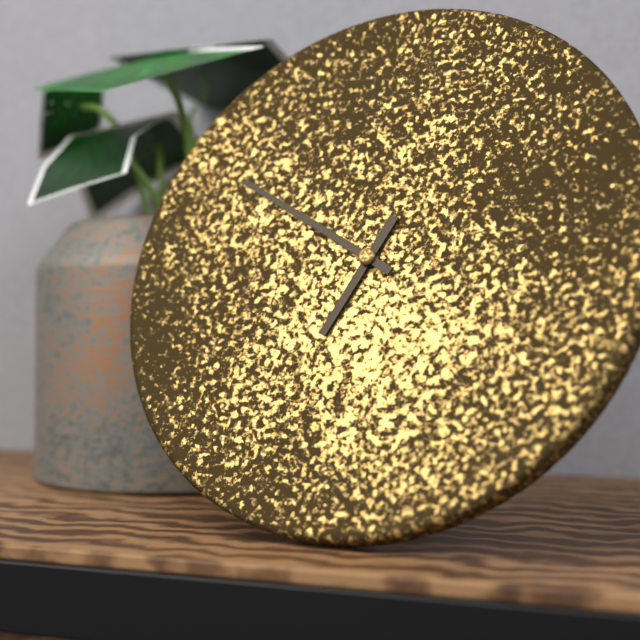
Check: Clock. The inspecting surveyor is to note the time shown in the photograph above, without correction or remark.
6:50
